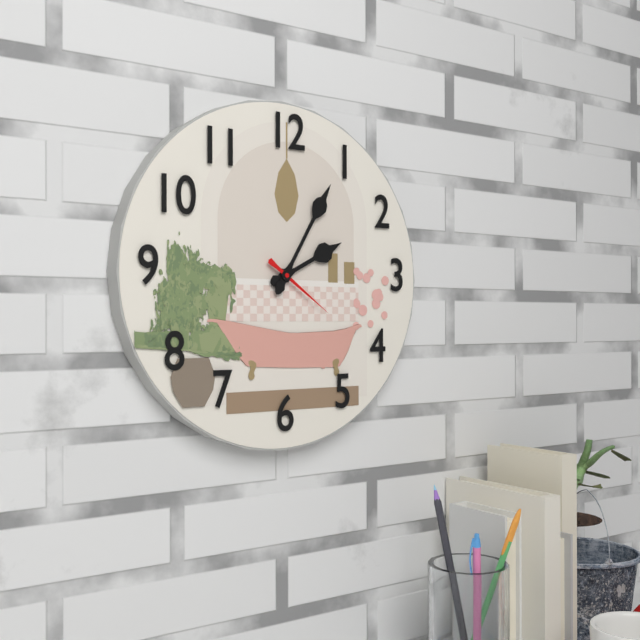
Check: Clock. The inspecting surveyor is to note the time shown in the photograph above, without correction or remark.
2:05:21
